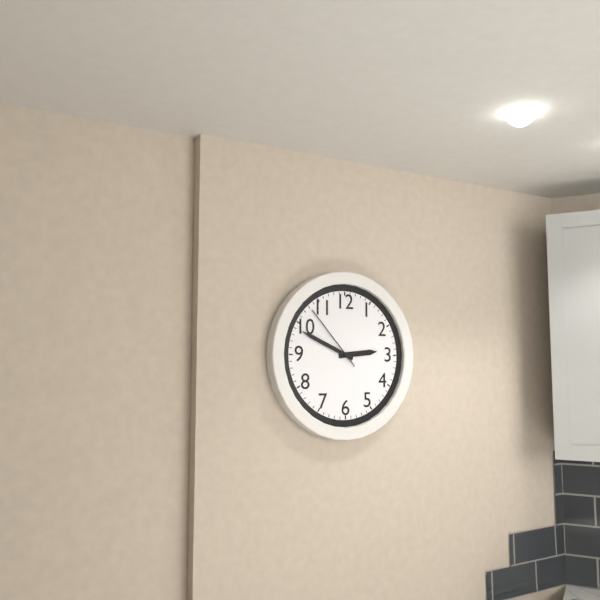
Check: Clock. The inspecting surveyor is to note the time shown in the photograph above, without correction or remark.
2:49:53
